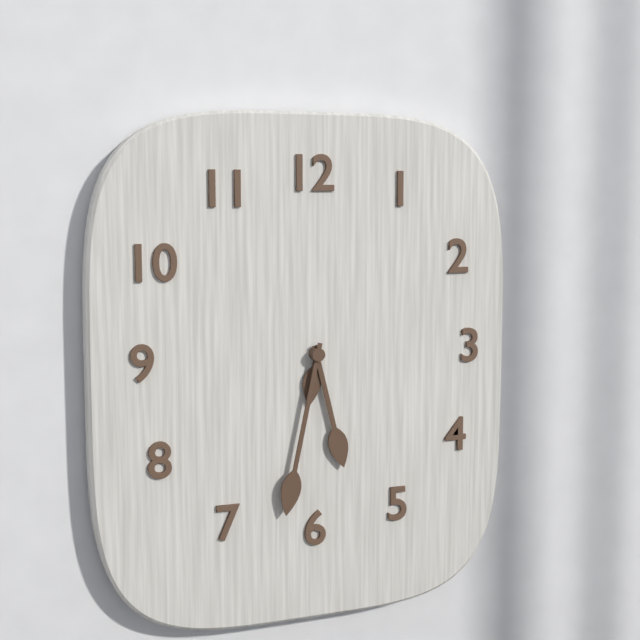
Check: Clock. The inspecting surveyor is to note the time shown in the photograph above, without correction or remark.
5:32
